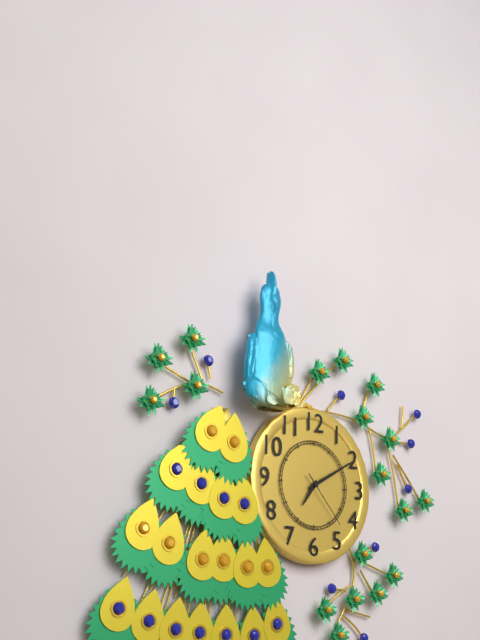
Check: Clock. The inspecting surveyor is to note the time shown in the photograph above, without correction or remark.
7:10:23
